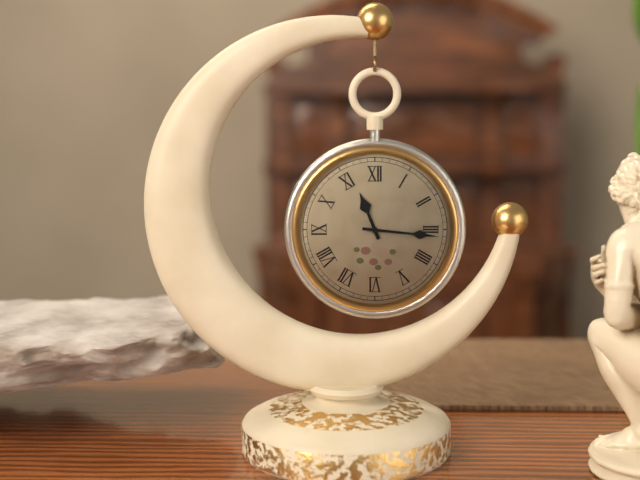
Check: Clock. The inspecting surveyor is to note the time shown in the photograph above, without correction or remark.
11:16
